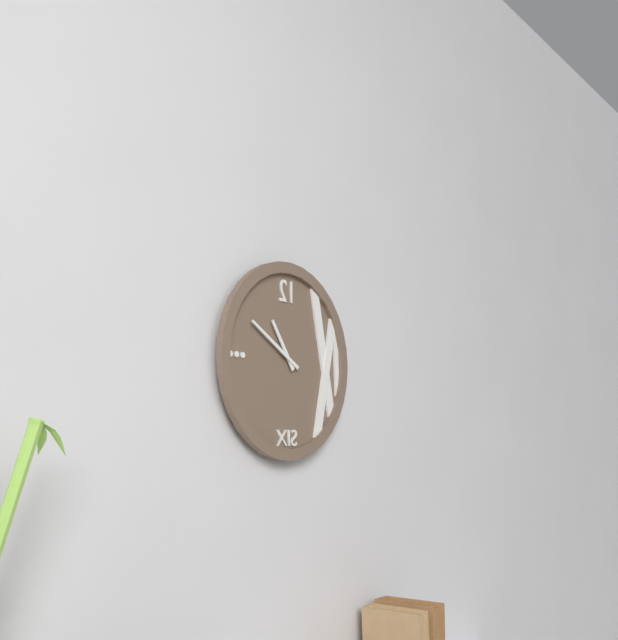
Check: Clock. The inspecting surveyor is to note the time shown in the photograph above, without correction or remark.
10:50
